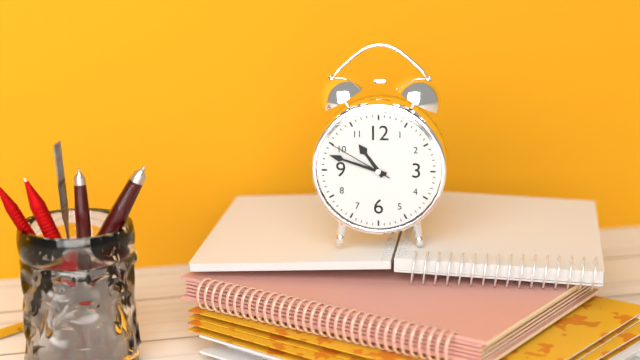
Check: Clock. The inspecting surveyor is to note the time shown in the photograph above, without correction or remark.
10:48:50
